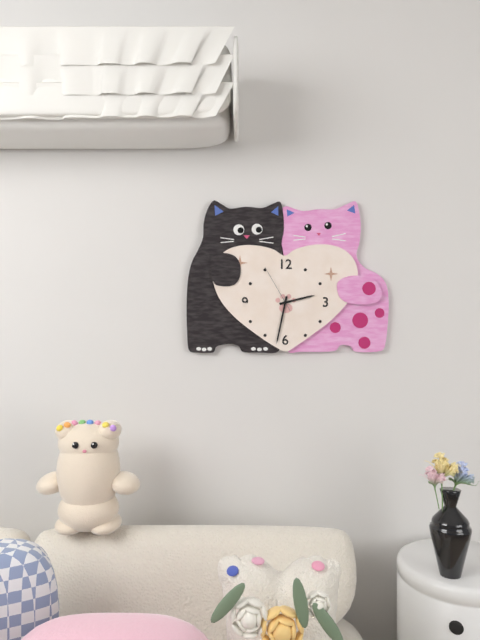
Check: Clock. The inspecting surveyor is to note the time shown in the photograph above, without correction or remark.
2:32:55
